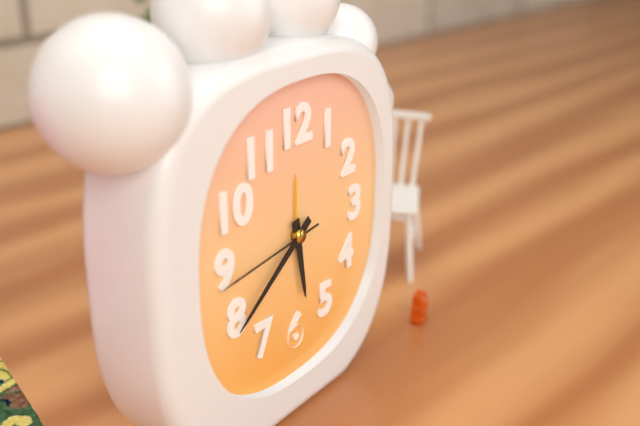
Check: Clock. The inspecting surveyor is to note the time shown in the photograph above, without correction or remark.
5:39:44
